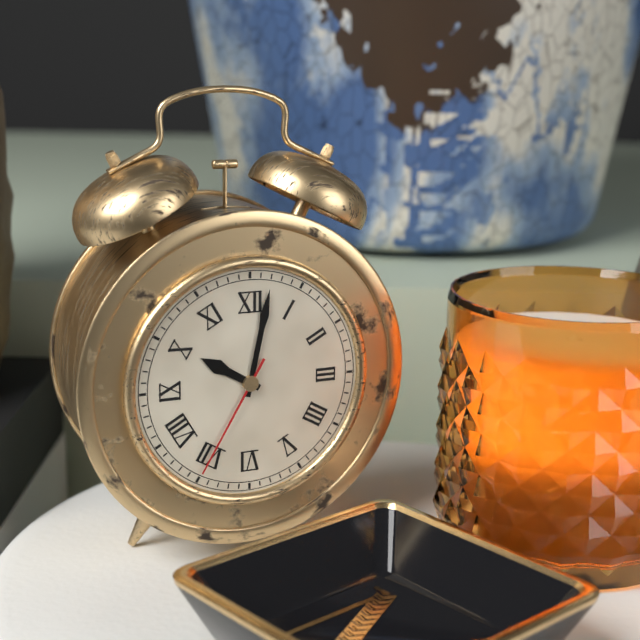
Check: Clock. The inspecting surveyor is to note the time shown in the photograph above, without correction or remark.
10:02:35
